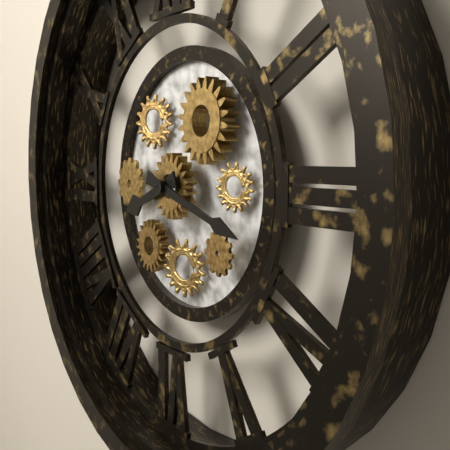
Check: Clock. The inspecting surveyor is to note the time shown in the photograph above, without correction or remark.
8:18
